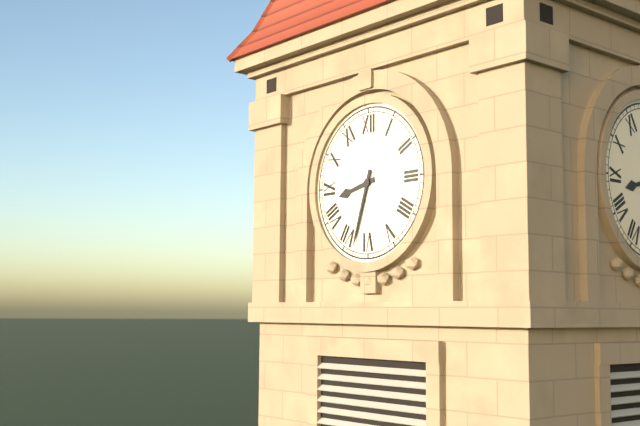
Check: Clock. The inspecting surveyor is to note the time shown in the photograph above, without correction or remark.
8:33
